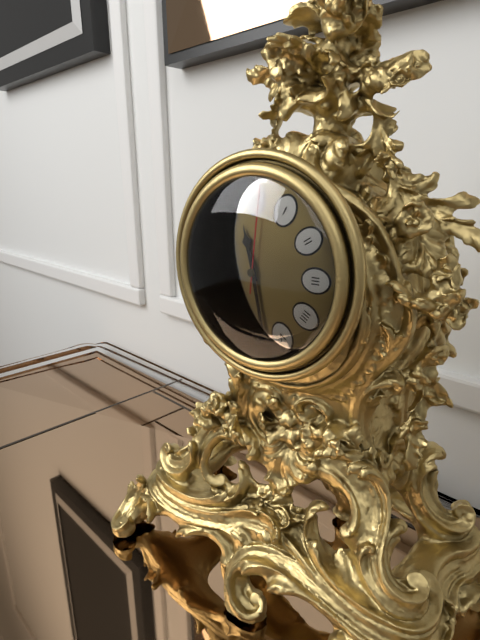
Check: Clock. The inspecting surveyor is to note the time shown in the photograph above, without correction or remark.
11:28:01
